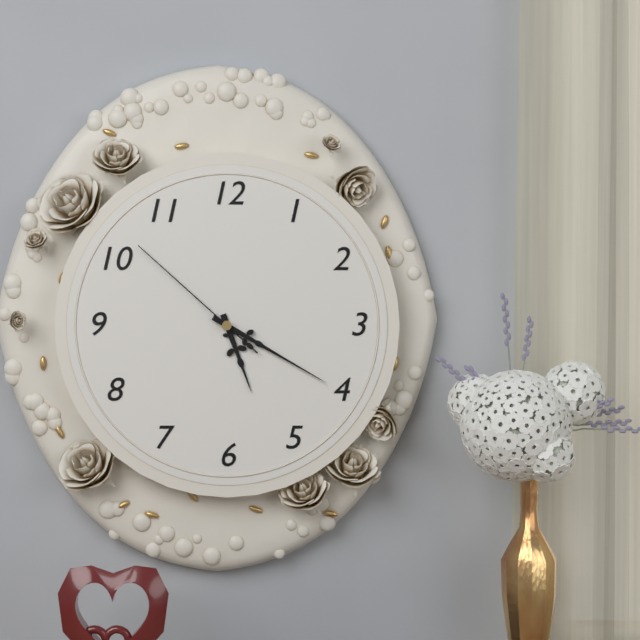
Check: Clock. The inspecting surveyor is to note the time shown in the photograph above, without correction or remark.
5:20:52
